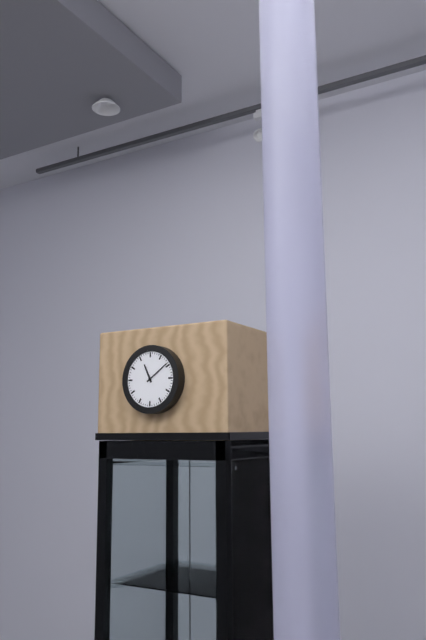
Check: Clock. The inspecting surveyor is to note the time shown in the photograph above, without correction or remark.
11:09
